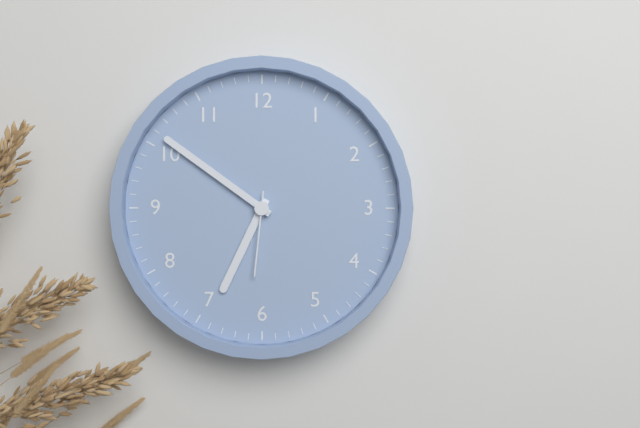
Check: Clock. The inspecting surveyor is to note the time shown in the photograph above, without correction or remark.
6:51:31
